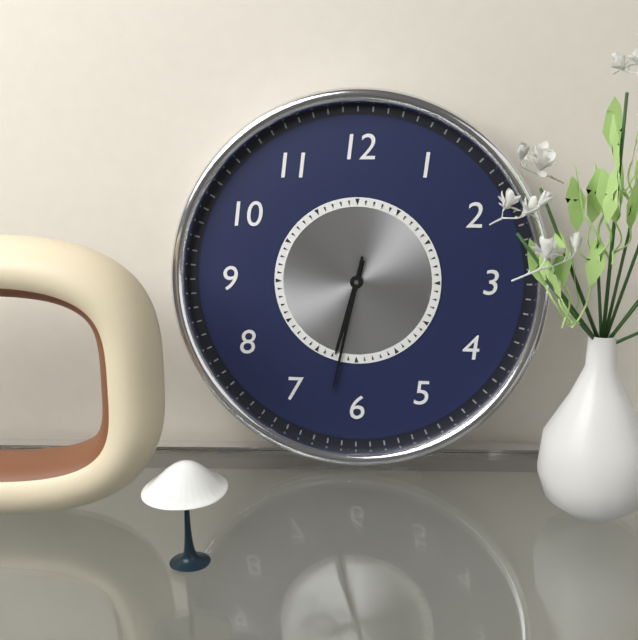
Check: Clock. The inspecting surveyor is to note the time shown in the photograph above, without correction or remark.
6:32
